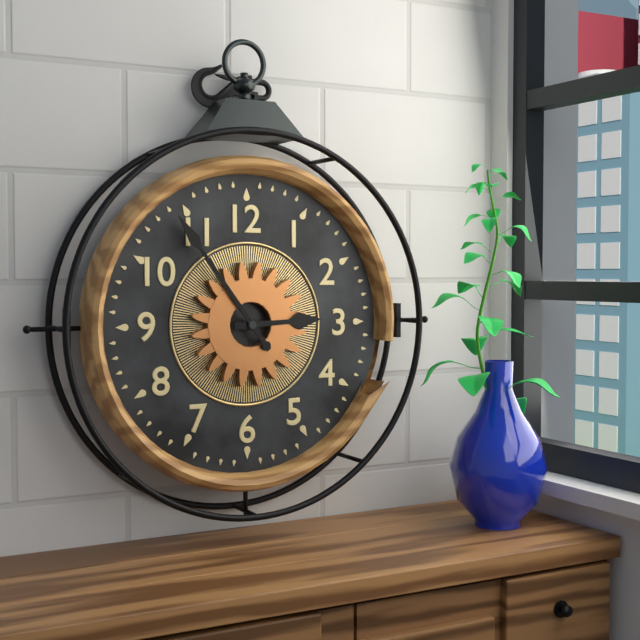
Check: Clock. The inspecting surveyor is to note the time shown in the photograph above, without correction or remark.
2:54
